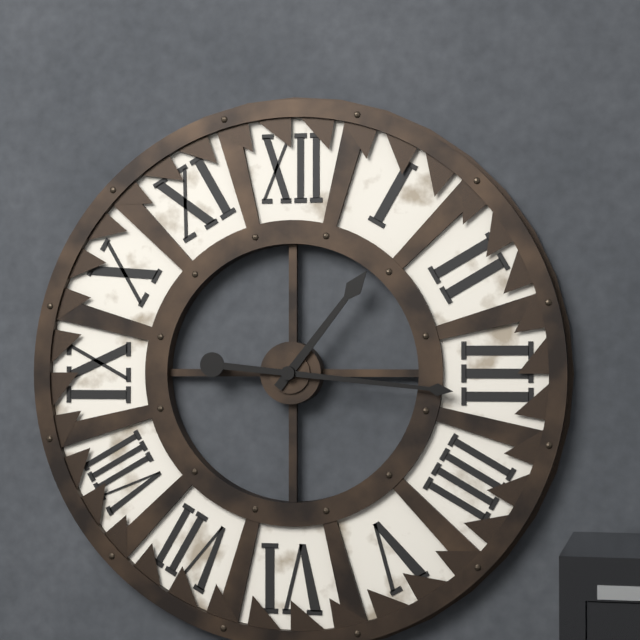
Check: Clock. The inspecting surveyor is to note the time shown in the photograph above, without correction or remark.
1:16
